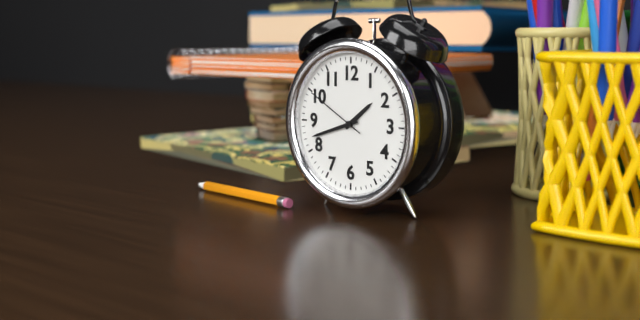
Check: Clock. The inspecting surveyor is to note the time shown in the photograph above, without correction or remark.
1:42:50
